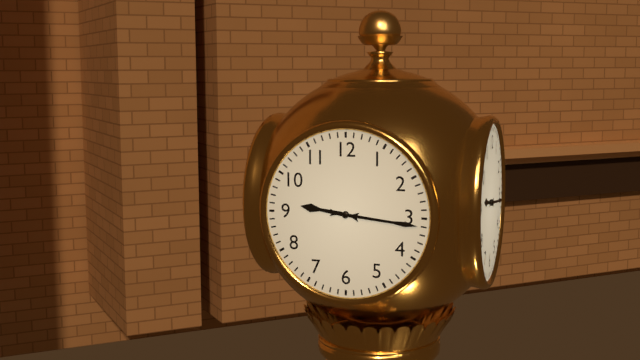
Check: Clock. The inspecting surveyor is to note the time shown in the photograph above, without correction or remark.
9:16
